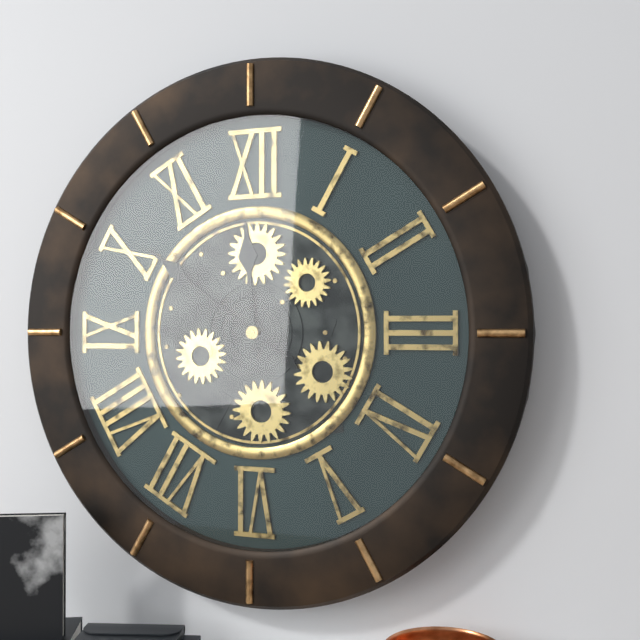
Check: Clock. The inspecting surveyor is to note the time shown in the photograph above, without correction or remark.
11:51
